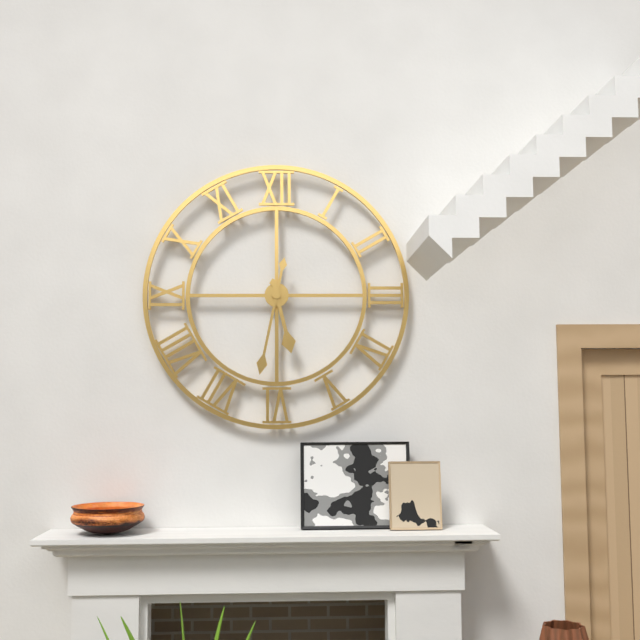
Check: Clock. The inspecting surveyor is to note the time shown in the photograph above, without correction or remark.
5:32
